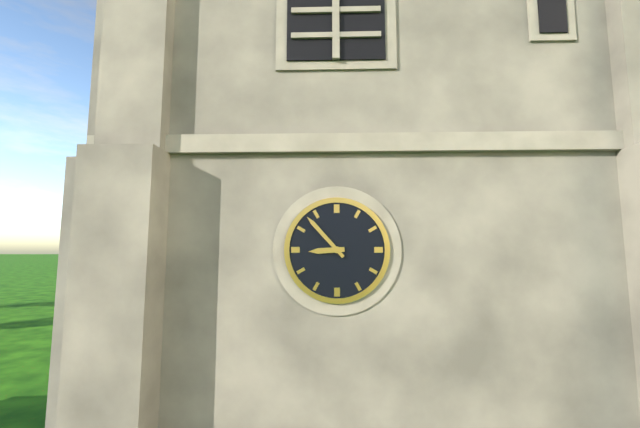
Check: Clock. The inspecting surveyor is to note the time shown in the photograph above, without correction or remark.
8:53
